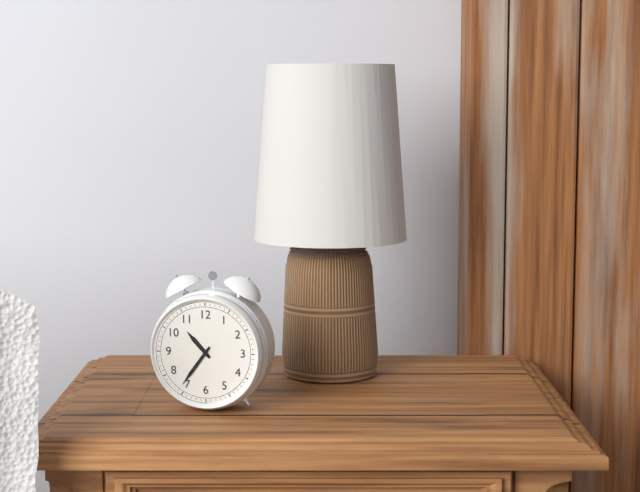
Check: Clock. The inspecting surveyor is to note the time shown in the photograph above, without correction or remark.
10:36
